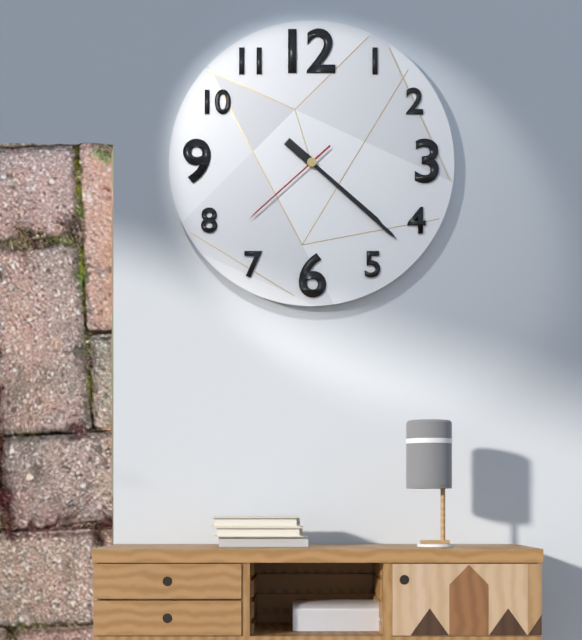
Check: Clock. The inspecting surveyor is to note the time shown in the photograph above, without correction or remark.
4:22:38
